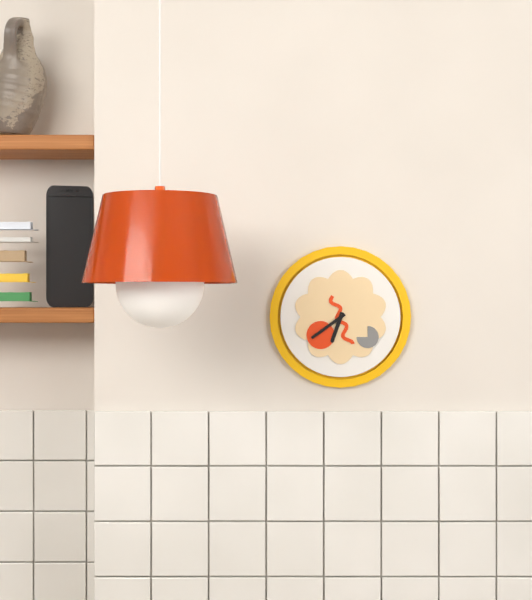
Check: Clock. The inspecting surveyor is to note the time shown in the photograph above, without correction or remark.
6:39
